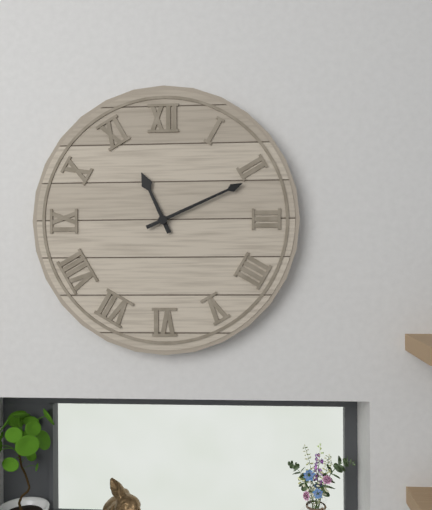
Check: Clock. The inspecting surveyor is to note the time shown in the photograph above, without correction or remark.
11:11
